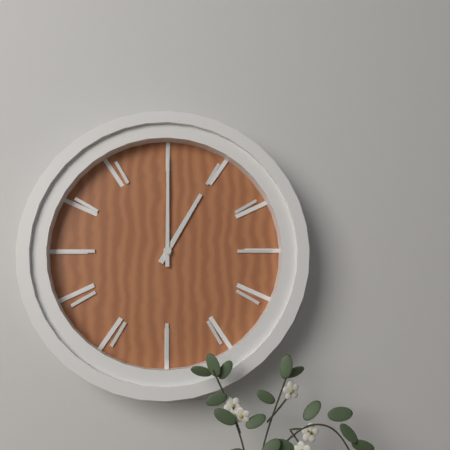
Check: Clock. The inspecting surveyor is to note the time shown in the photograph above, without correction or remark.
1:00
